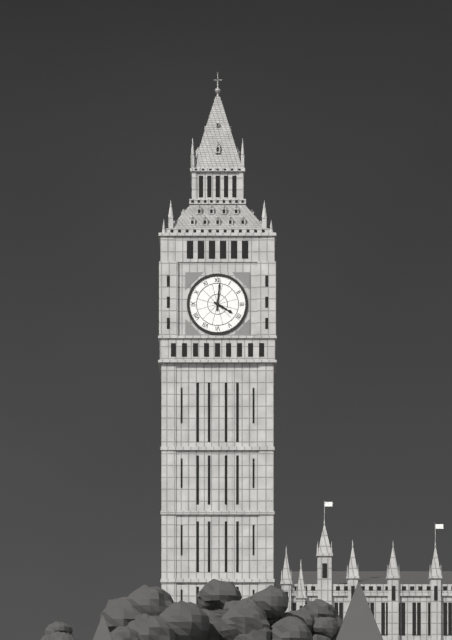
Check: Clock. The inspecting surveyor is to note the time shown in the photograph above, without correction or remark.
4:01
